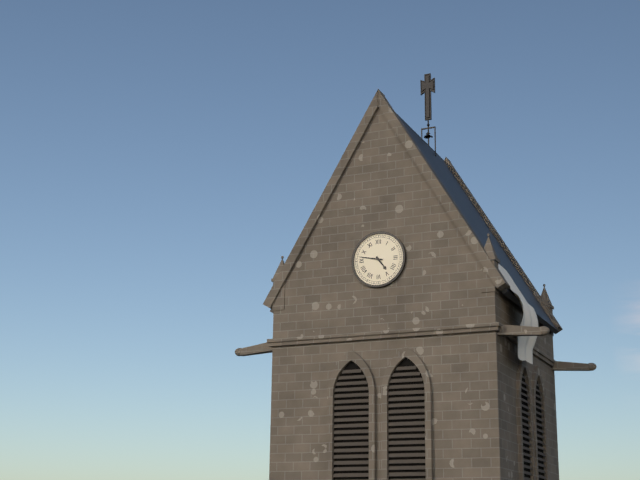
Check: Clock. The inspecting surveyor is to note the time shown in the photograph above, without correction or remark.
4:47
